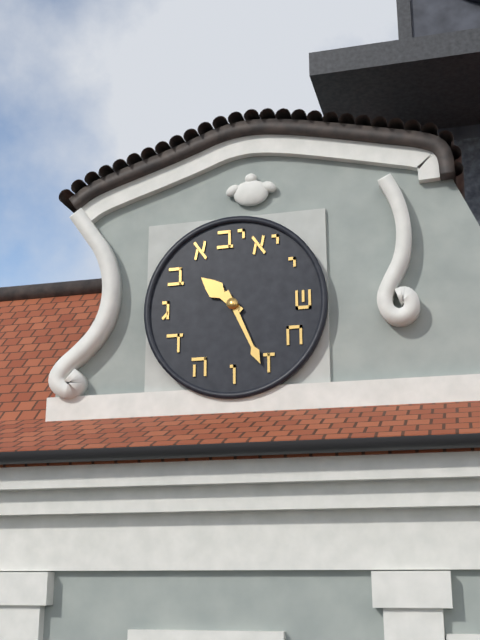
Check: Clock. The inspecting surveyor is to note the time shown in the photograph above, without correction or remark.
10:26
